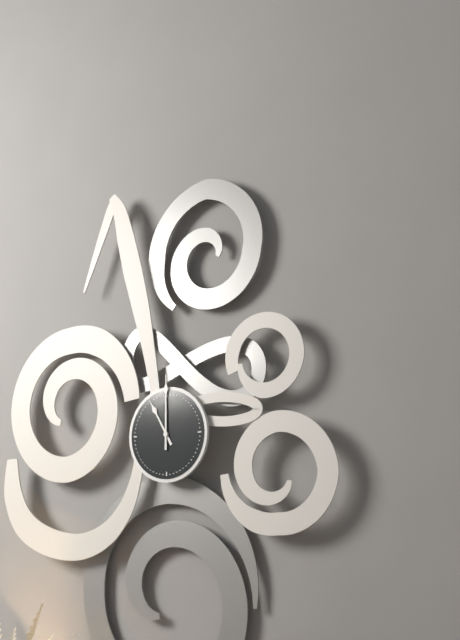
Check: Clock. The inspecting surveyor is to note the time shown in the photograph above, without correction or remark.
11:00
